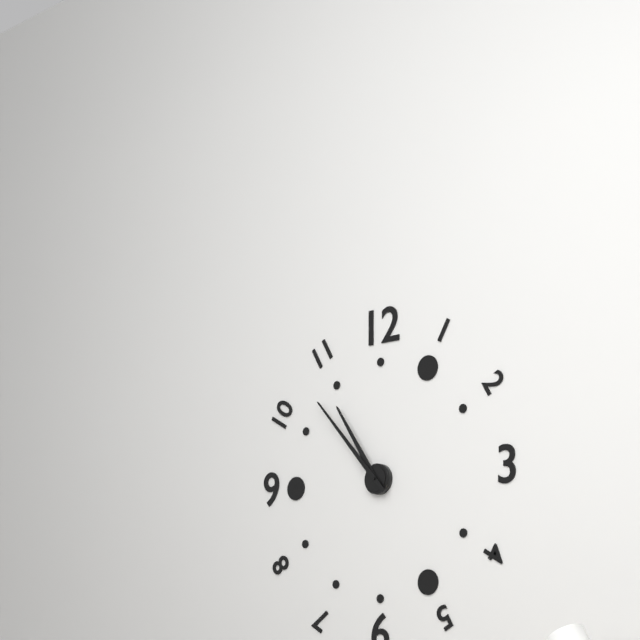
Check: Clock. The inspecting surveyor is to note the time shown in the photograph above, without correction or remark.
10:53
